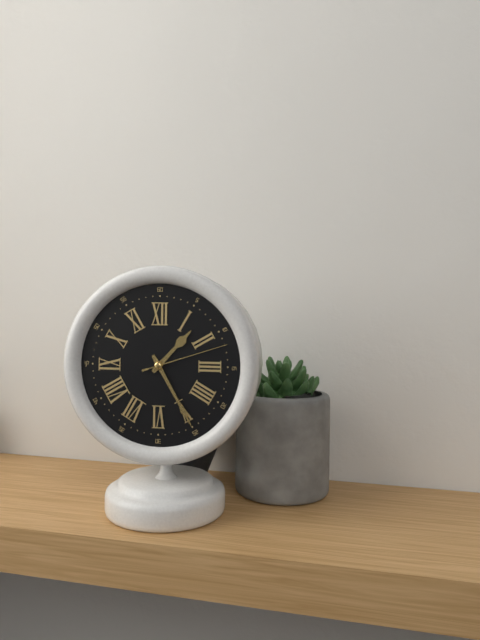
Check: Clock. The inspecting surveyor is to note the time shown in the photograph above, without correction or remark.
1:25:12
